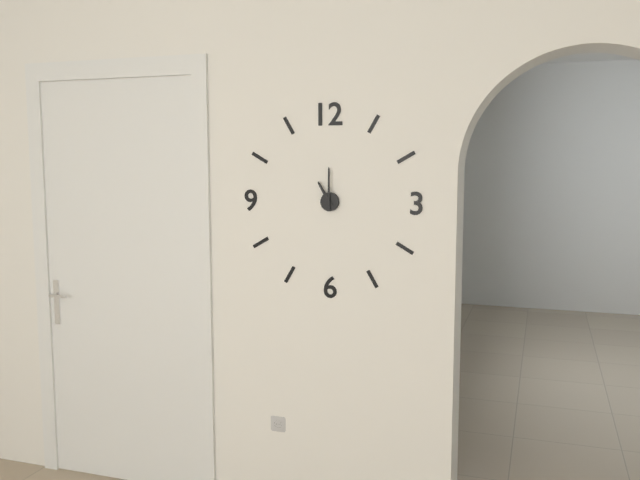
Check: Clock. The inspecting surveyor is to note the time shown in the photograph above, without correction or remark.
11:00
